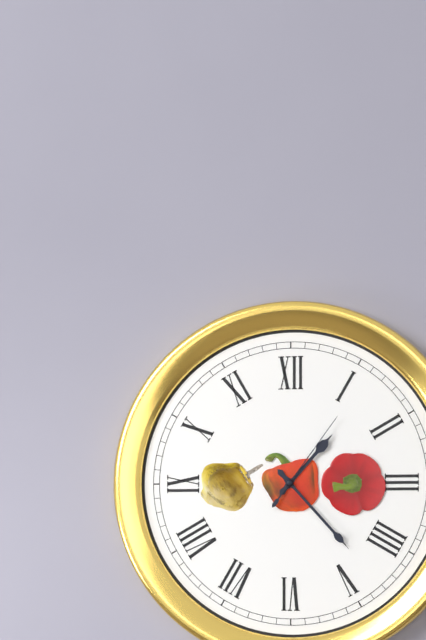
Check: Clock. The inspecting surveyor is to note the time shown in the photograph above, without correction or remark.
1:23:06
